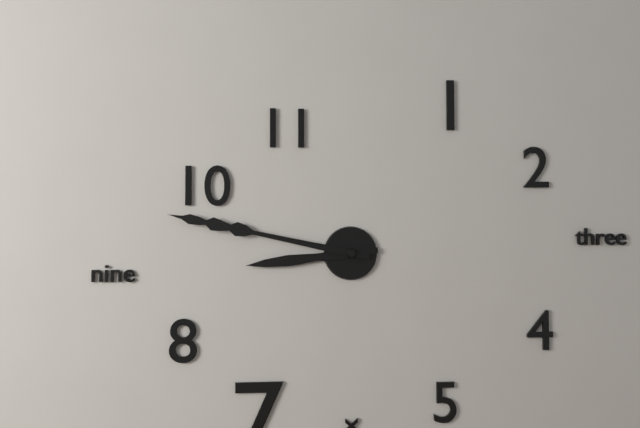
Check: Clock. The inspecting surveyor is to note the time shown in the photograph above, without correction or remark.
8:47
